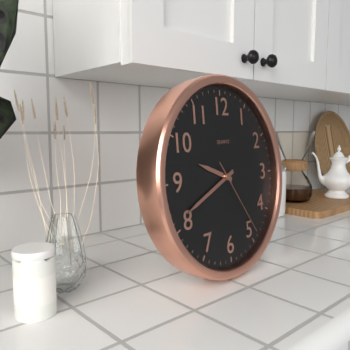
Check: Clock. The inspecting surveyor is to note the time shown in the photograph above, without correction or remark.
9:41:24
